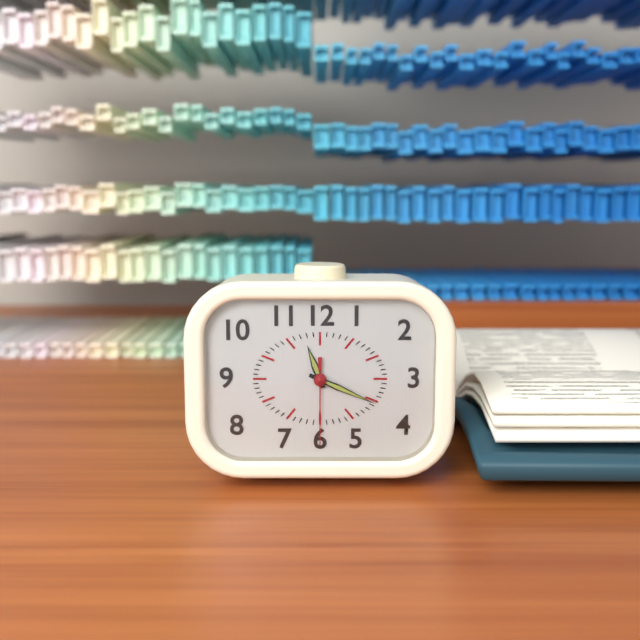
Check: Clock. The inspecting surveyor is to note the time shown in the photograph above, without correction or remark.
11:19:30
